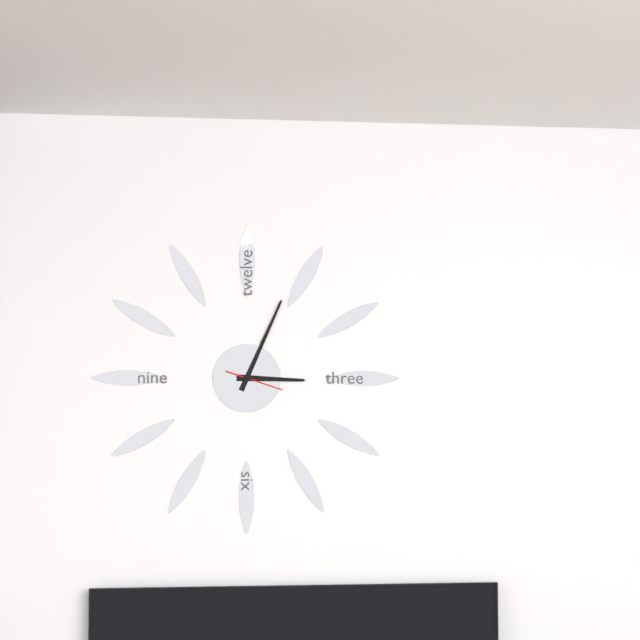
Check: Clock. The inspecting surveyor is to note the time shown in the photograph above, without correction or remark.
3:04
